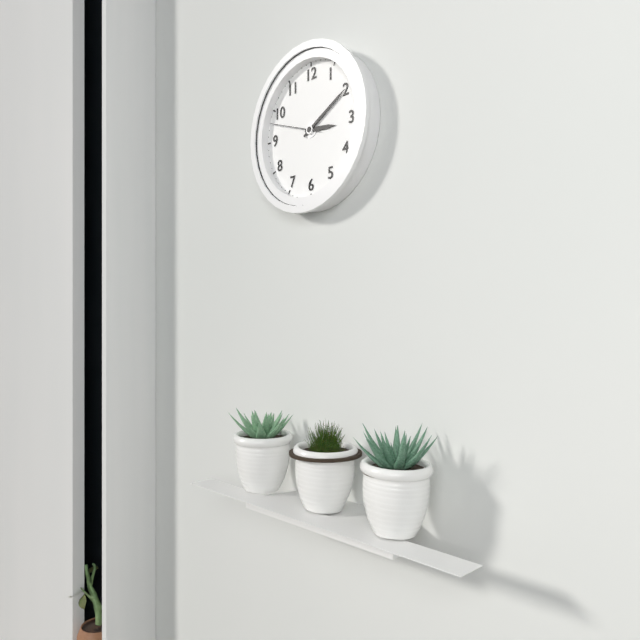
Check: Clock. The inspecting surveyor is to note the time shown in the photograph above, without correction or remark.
3:10:48
